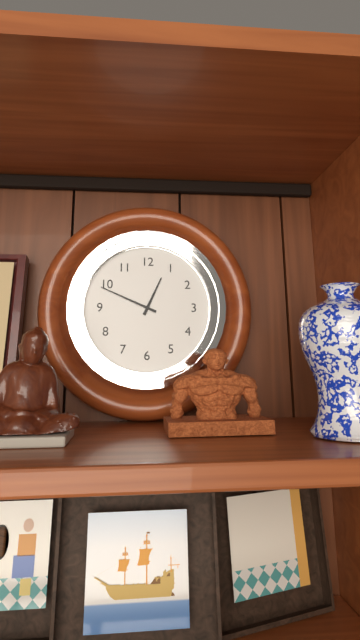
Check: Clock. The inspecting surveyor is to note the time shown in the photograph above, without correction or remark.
12:49
